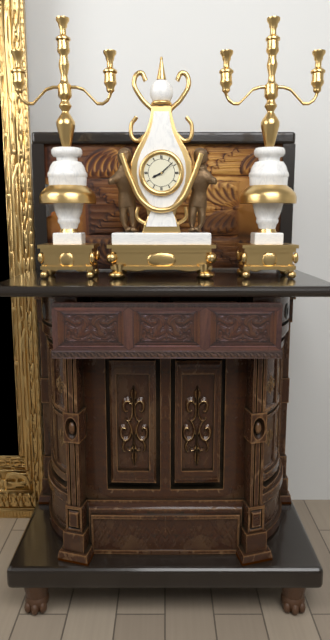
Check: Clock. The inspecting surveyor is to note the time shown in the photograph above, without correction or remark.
8:08
